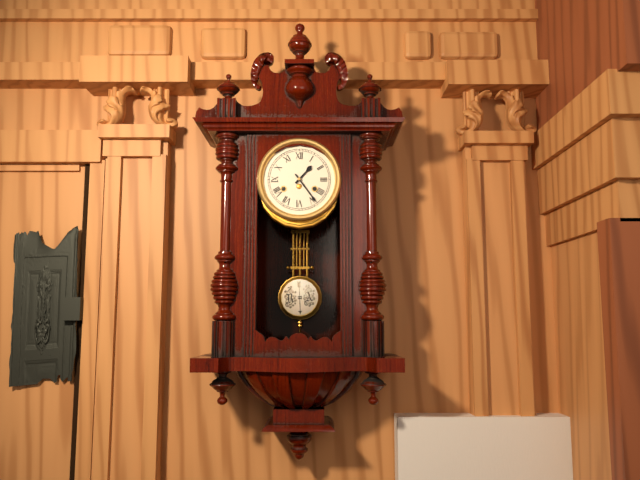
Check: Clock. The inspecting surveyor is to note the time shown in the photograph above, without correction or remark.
1:24
